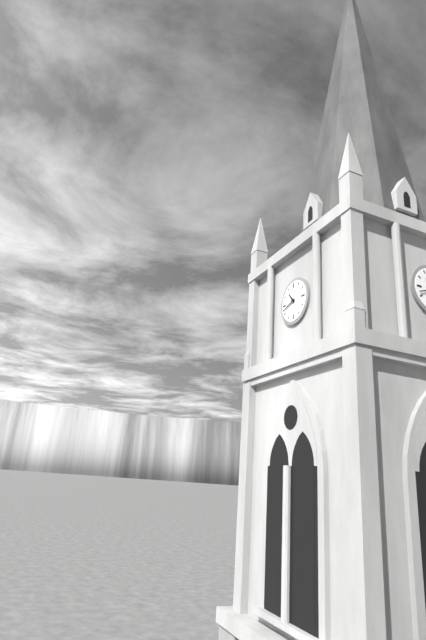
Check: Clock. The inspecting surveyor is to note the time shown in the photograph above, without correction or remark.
10:42
